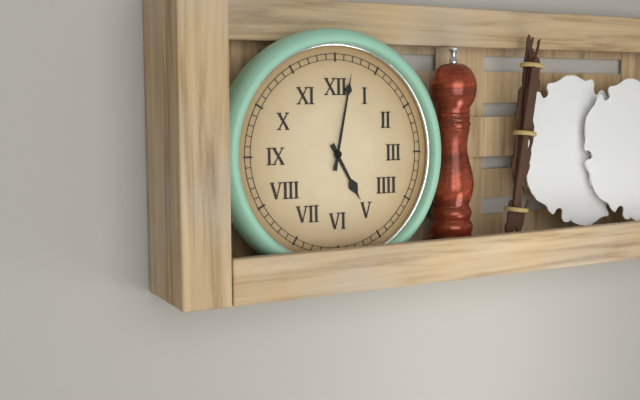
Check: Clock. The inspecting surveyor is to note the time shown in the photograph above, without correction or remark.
5:02
